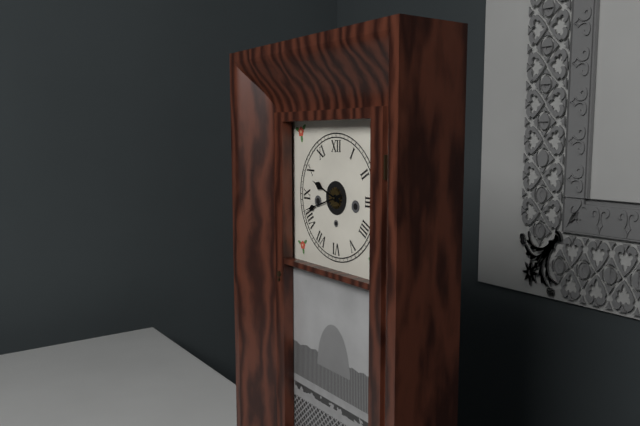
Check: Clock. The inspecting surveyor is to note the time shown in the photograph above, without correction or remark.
9:42
